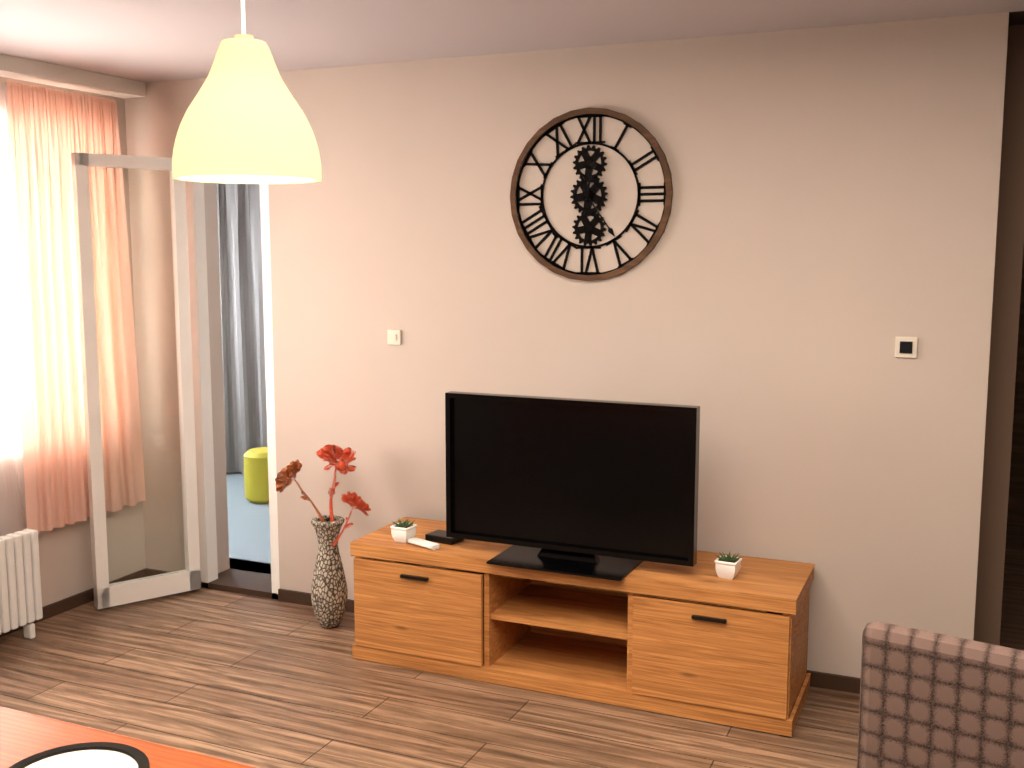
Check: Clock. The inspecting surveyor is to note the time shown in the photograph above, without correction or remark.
12:24
